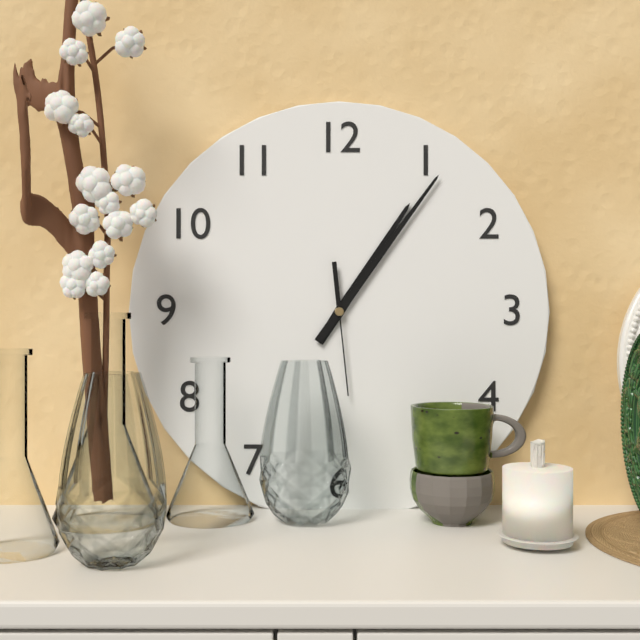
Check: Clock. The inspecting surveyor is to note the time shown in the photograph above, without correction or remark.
1:06:29
